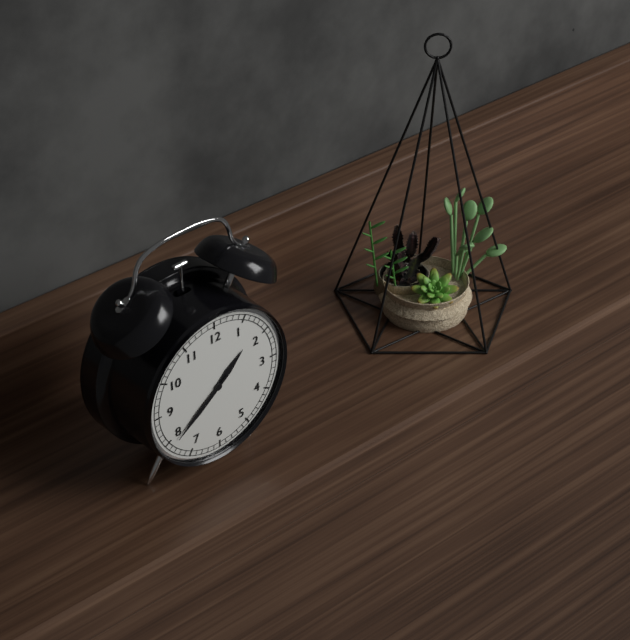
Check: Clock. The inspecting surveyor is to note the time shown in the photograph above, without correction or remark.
1:39
